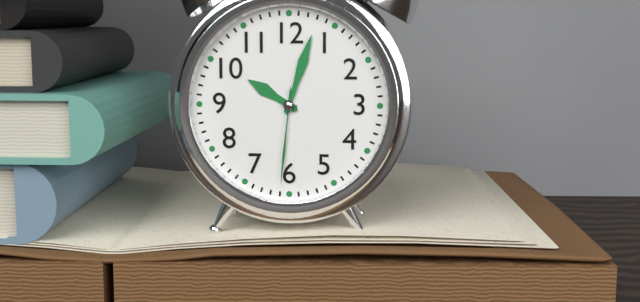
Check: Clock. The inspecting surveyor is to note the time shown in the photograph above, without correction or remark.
10:03:31
